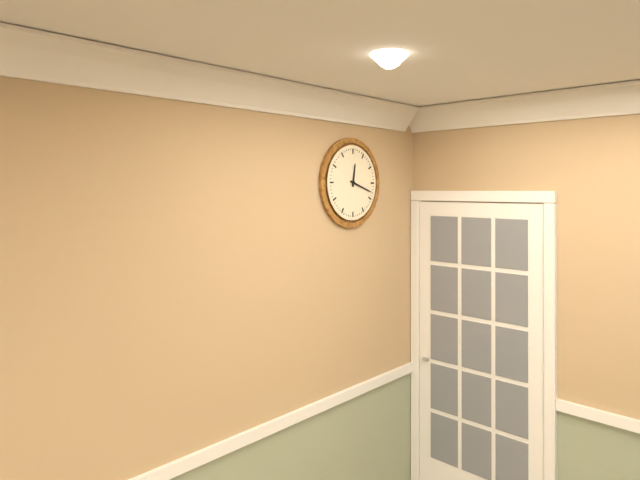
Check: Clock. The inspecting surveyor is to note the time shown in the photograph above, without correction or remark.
12:18
